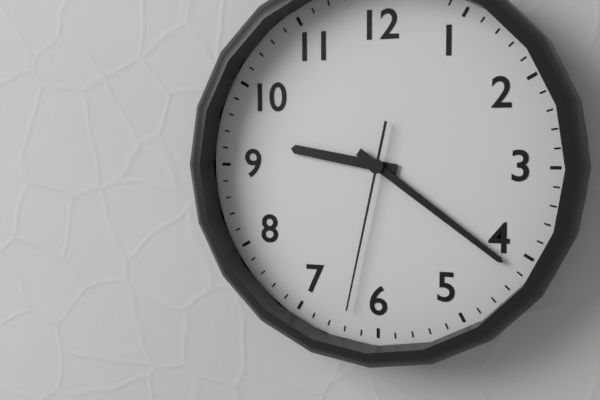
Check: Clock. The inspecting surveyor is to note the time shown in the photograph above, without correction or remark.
9:21:32
